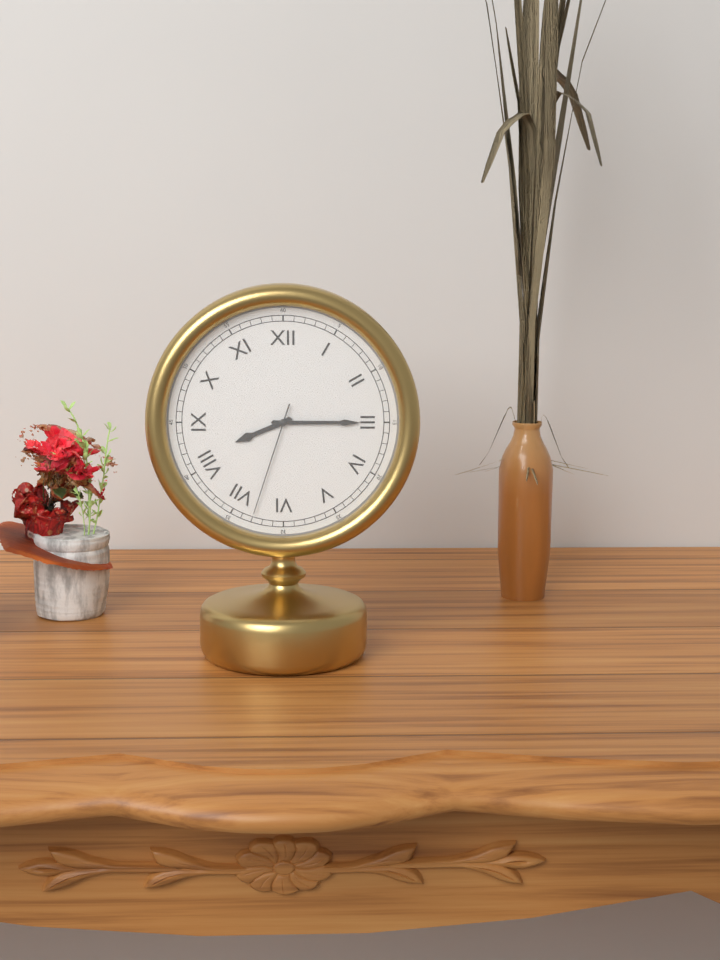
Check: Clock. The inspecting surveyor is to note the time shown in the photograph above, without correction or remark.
8:15:33
